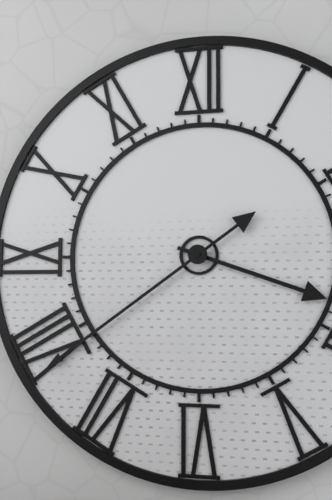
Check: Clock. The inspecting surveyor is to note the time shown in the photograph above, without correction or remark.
3:39
